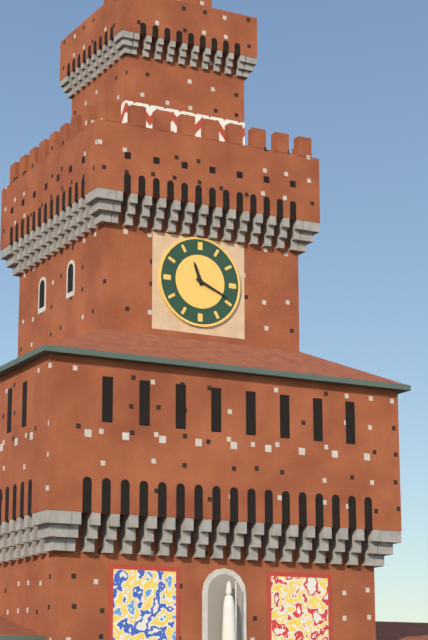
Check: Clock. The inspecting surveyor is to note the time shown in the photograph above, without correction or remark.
11:19
